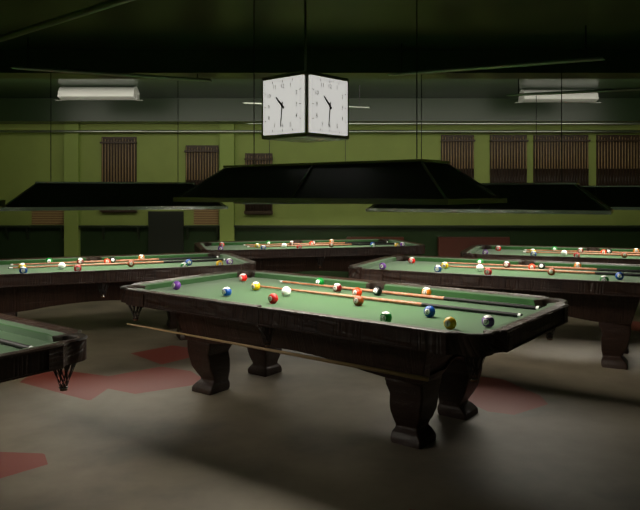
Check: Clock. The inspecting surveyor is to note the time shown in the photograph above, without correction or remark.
10:31
